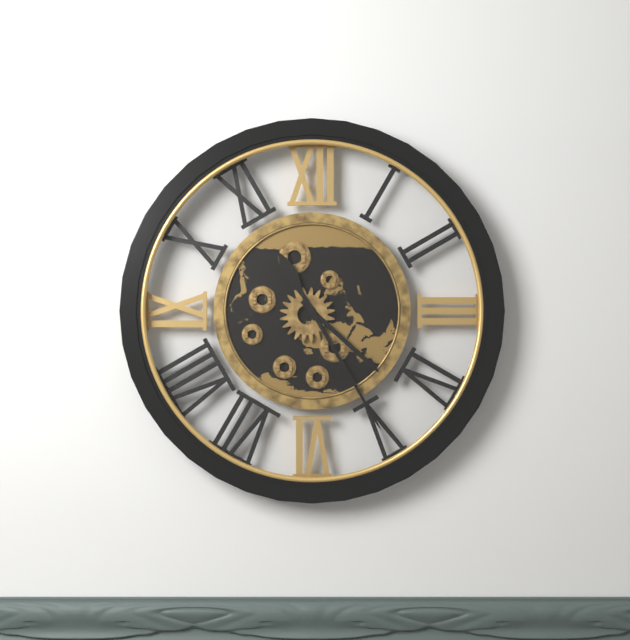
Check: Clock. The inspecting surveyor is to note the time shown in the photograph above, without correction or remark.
4:25
